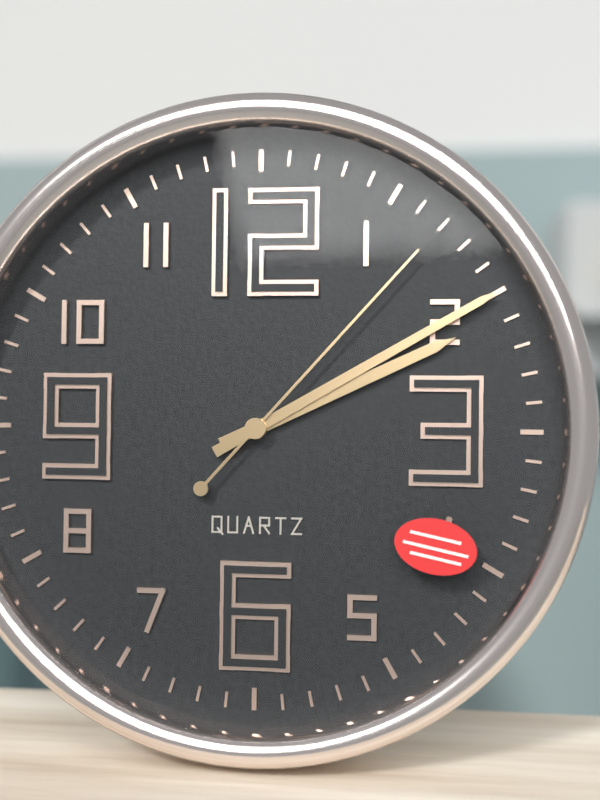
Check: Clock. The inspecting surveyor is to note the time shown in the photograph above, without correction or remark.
2:10:07
